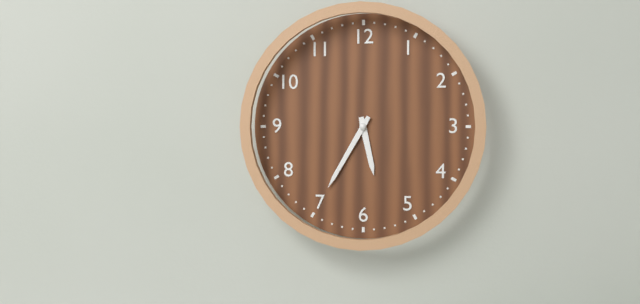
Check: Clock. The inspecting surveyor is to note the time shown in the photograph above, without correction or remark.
5:35
